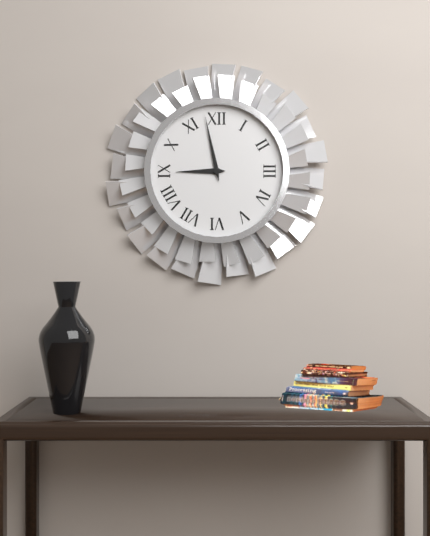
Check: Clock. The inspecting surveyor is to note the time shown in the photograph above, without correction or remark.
8:58
